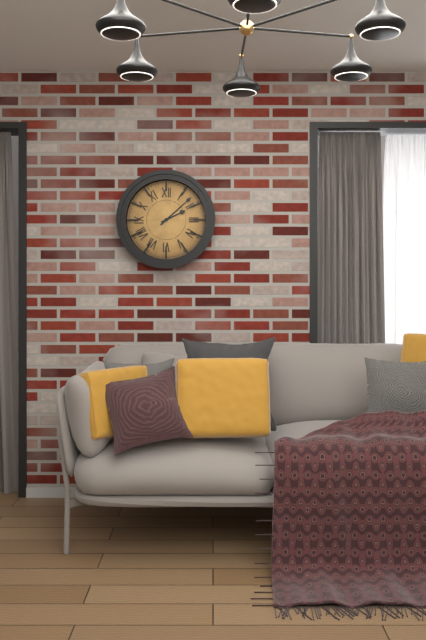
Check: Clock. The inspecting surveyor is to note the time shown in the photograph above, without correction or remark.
2:08
